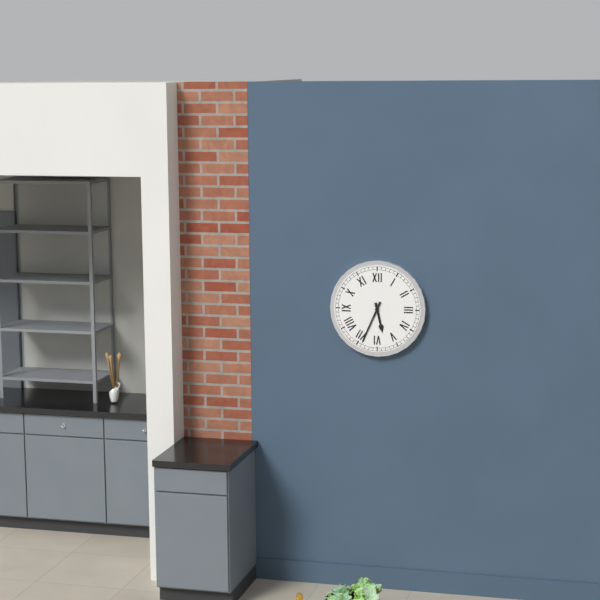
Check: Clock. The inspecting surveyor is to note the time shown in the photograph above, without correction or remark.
5:34
